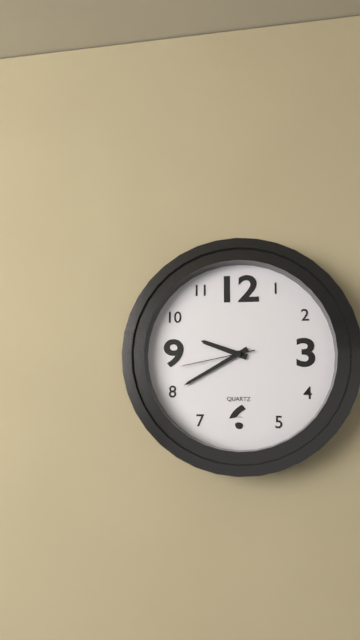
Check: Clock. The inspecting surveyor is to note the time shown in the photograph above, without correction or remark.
9:40:43
